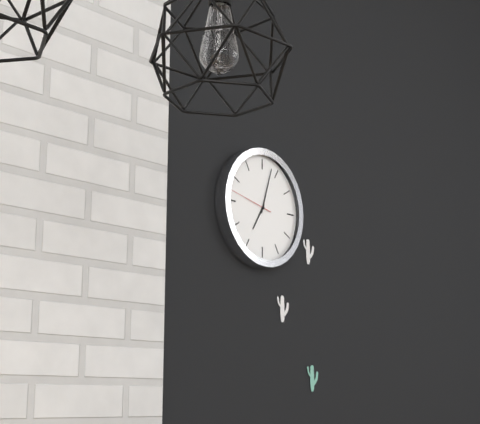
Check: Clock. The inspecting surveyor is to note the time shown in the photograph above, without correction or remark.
7:03
